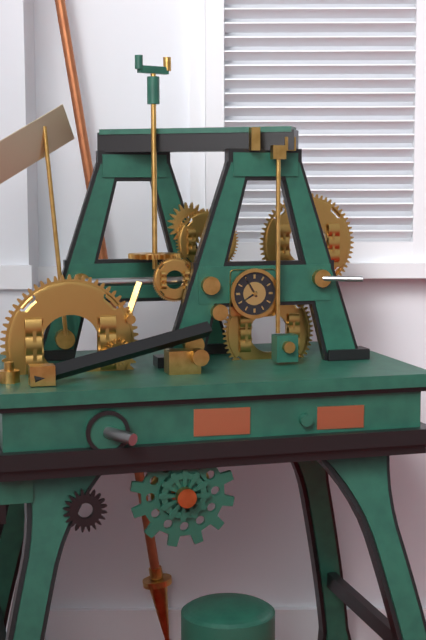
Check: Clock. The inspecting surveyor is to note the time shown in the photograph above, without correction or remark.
7:55
